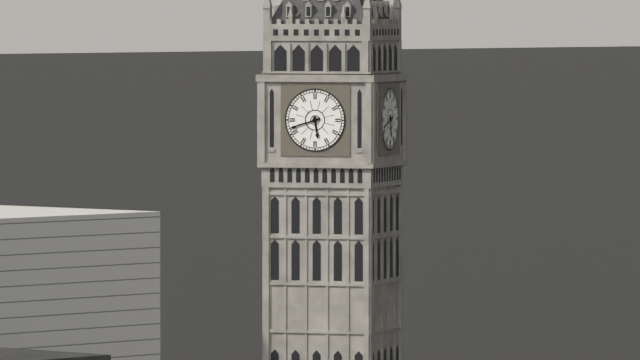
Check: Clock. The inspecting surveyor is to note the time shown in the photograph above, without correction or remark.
5:42
